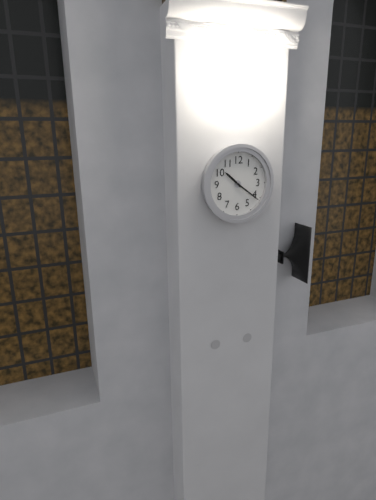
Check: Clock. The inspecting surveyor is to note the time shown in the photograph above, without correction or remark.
10:21
